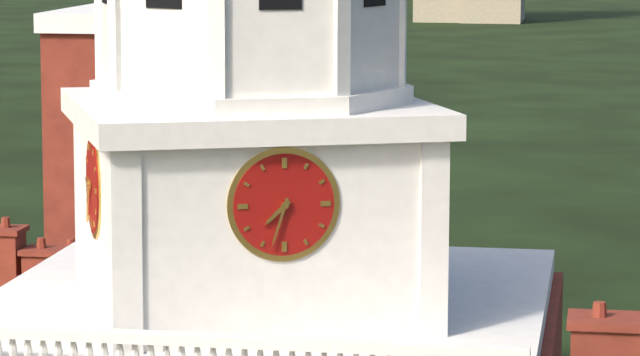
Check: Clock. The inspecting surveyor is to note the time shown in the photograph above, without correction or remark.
7:33
